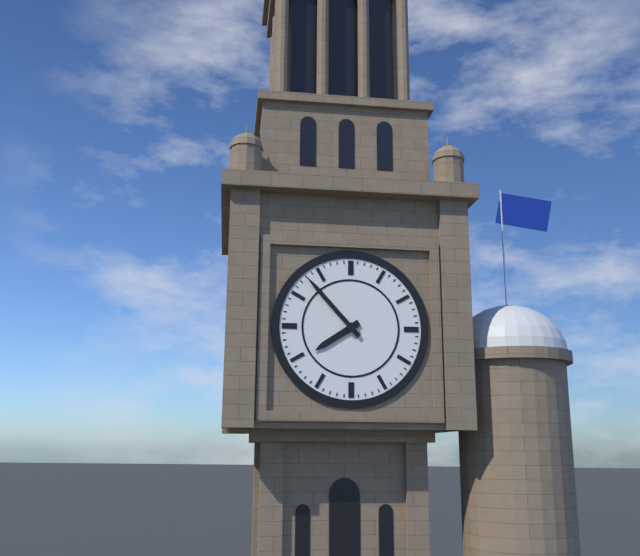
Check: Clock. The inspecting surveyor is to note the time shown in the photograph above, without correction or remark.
7:53
